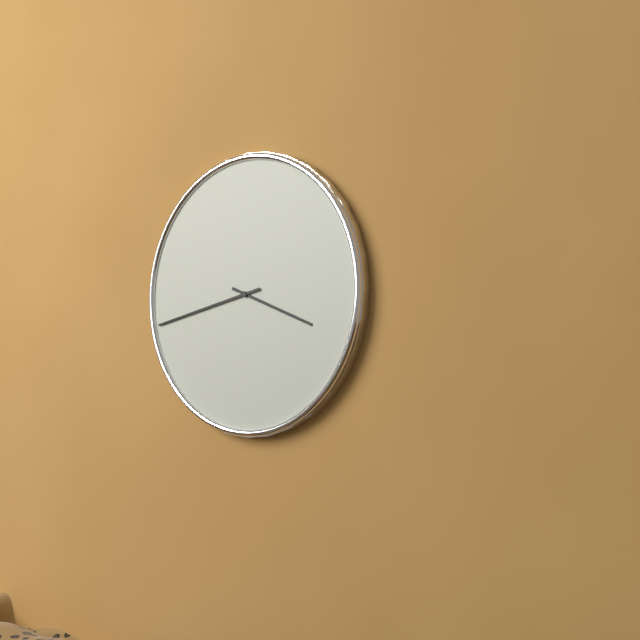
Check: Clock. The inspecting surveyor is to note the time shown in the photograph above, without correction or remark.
3:43
